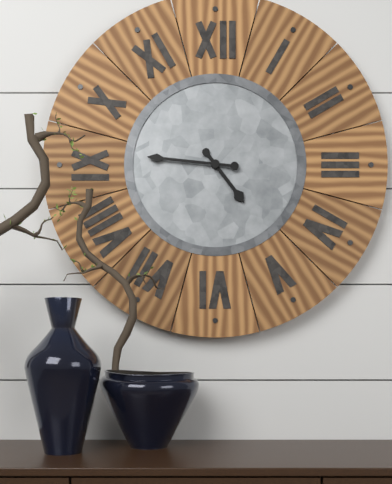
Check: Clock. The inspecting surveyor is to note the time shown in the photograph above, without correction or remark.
4:46
